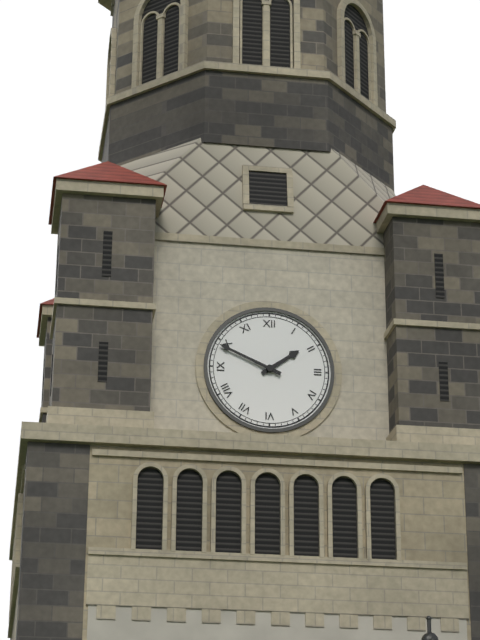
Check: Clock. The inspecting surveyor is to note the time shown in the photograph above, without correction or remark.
1:49
